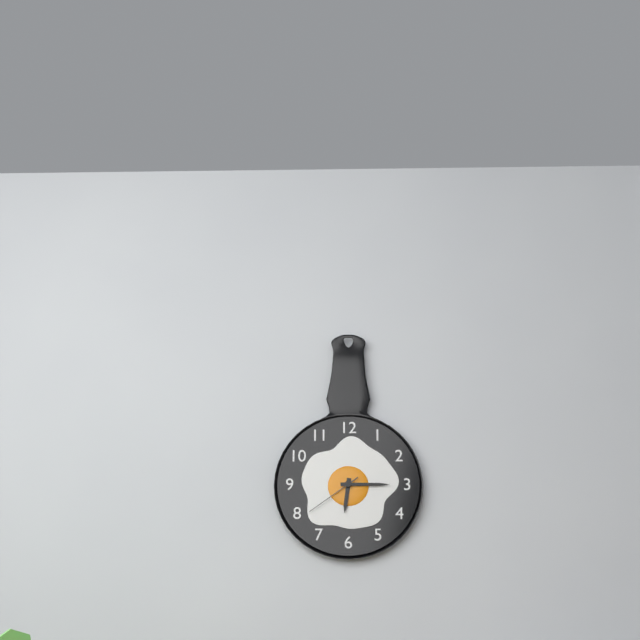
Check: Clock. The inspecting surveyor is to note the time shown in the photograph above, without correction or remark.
6:15:39
